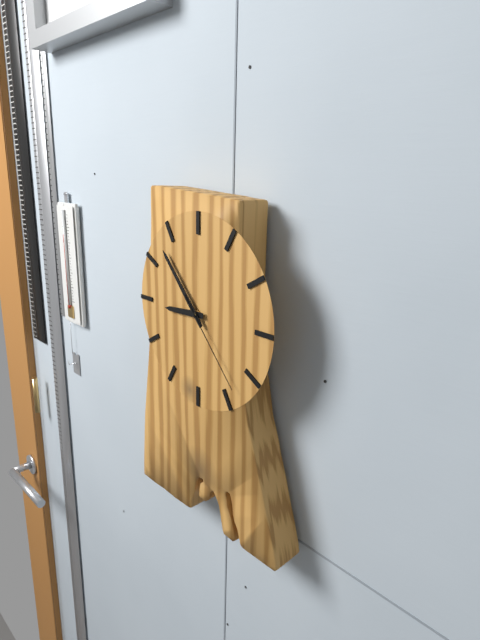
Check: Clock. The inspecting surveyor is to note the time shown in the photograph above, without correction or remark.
8:53:23
